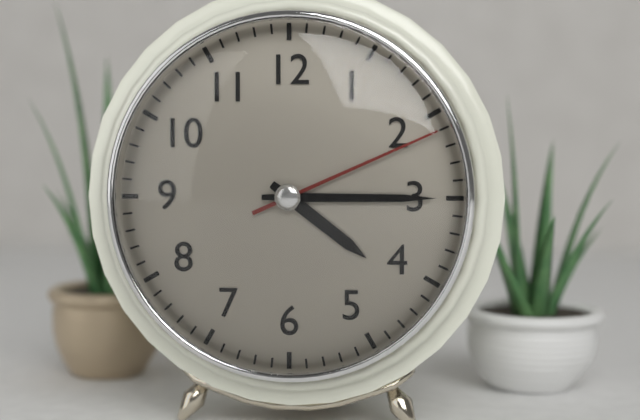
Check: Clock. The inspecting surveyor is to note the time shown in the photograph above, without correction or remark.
4:15:11
